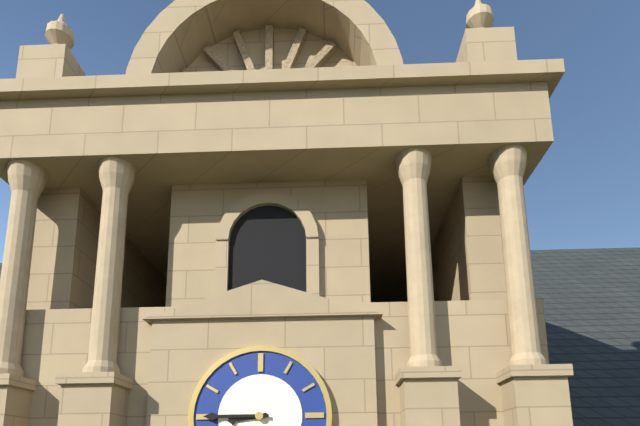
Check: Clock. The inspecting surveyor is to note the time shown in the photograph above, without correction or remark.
8:45
